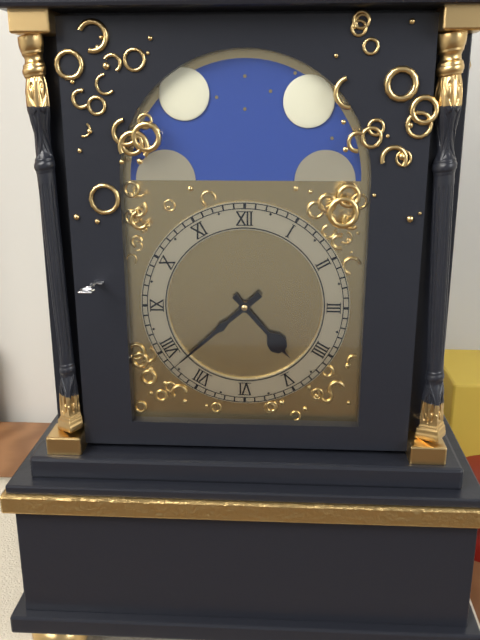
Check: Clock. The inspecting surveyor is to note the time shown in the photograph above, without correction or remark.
4:38
